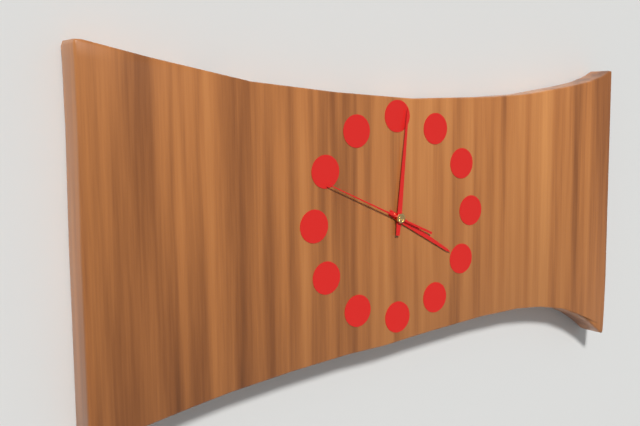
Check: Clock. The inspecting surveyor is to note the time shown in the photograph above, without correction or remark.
4:01:49
